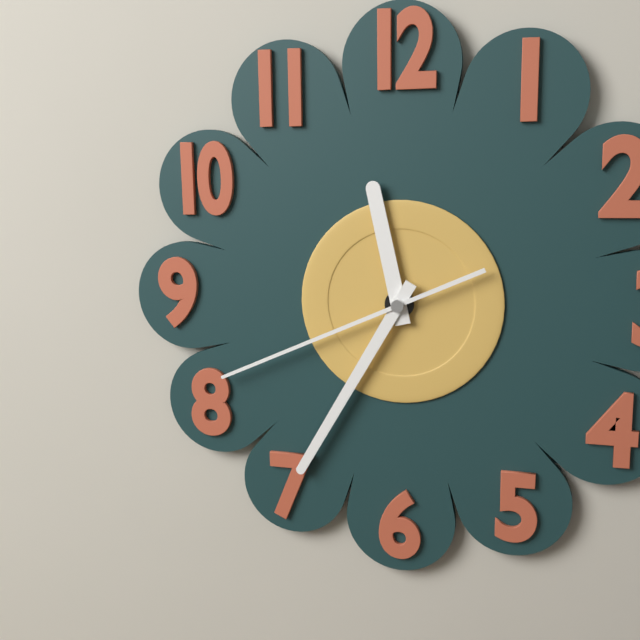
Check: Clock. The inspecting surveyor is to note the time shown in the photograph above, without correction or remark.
11:35:41
